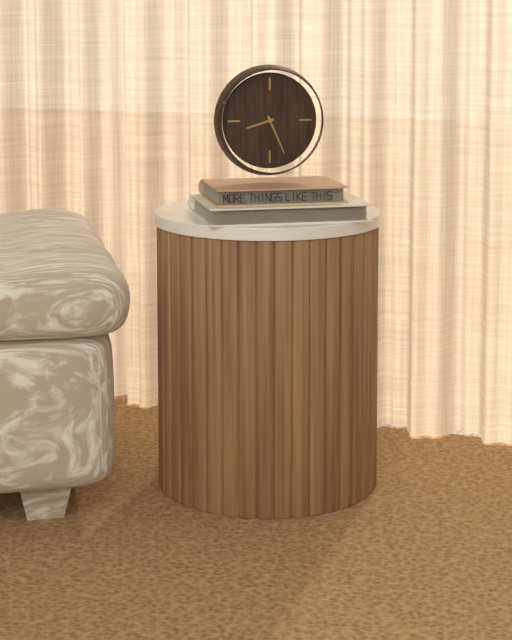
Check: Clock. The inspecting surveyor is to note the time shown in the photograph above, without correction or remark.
8:26
